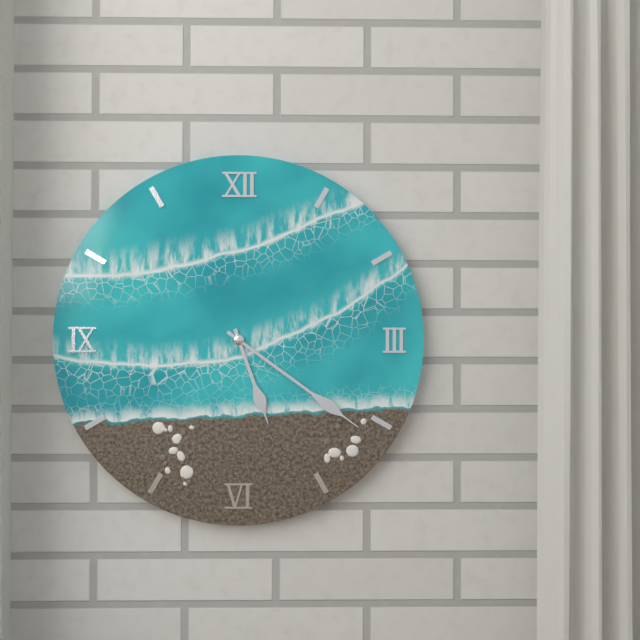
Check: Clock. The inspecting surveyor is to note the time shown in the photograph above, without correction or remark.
5:21
